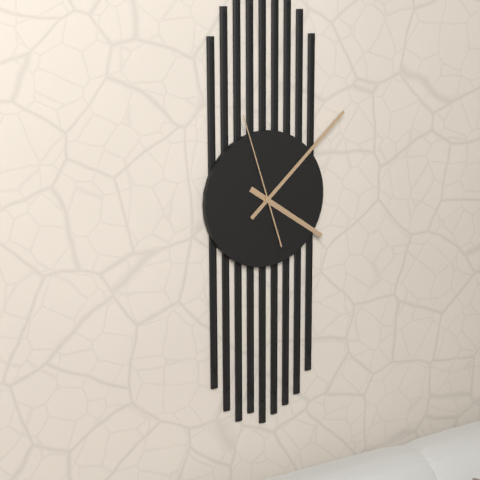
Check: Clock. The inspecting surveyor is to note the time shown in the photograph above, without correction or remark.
4:08:57
